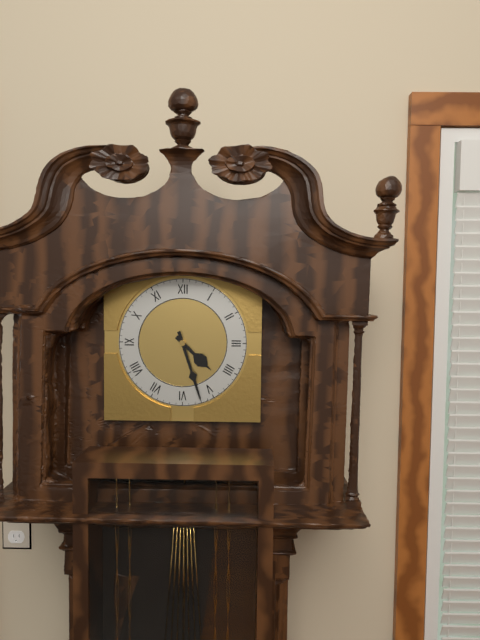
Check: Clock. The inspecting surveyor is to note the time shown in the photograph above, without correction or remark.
4:27
